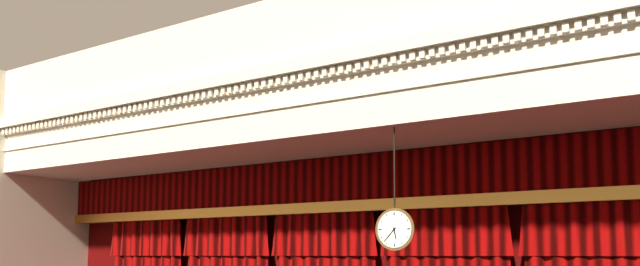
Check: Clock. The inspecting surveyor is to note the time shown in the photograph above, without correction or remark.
5:37
